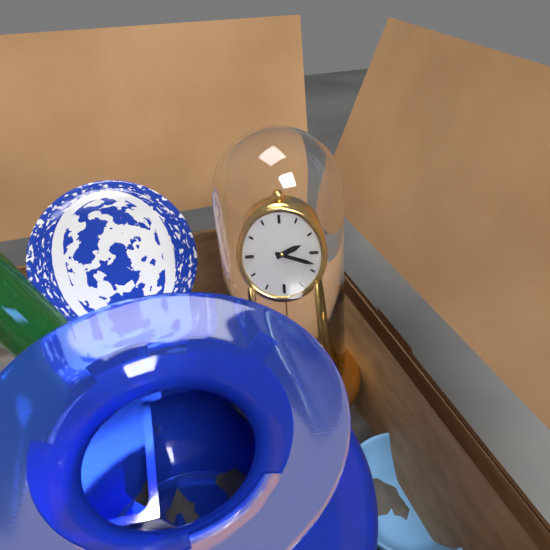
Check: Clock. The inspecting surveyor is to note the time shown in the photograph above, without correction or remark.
2:18
